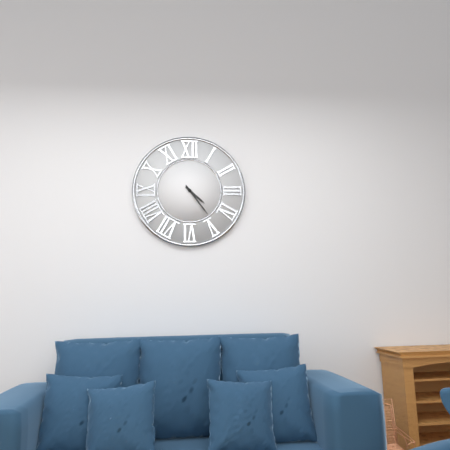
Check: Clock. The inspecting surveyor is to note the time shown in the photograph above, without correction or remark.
4:24
